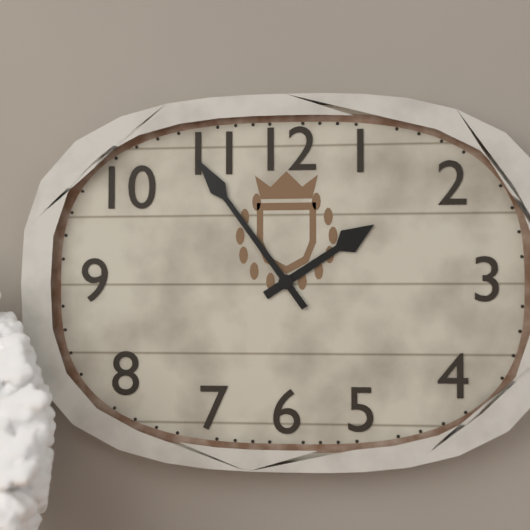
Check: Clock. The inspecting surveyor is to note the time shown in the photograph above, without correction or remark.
1:54
